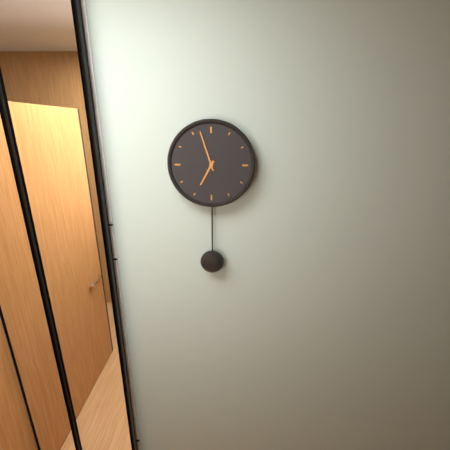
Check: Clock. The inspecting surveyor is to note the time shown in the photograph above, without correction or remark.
6:57
